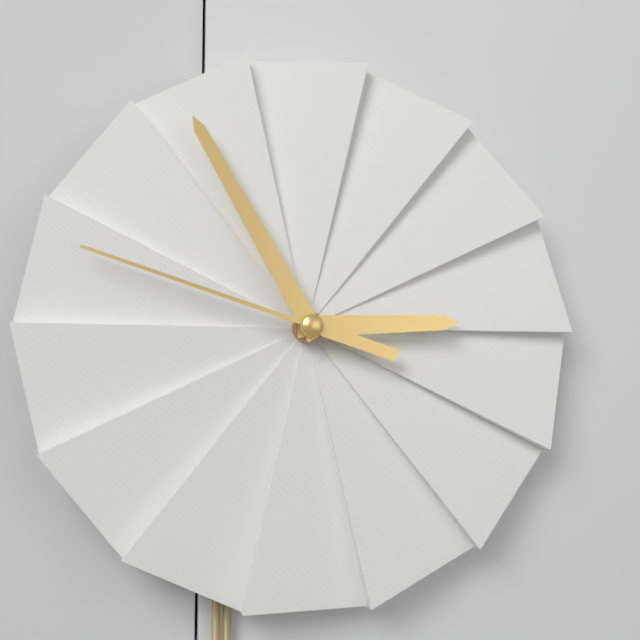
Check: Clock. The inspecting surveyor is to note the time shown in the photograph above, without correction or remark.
2:55:48
